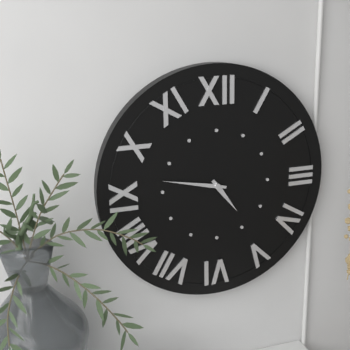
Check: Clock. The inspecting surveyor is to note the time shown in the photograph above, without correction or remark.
4:47
